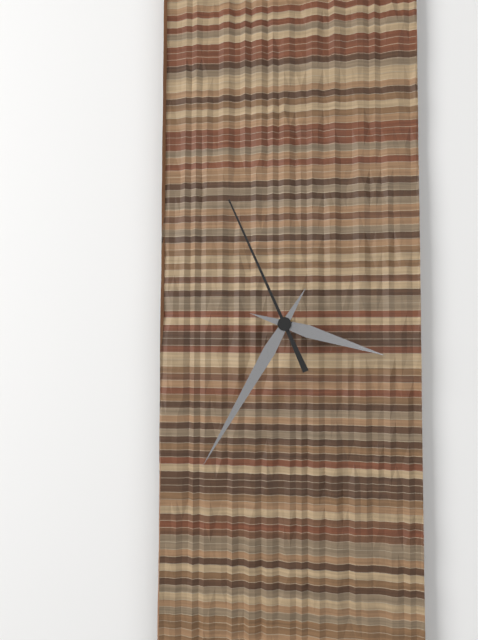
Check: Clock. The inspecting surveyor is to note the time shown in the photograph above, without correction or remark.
3:35:56
